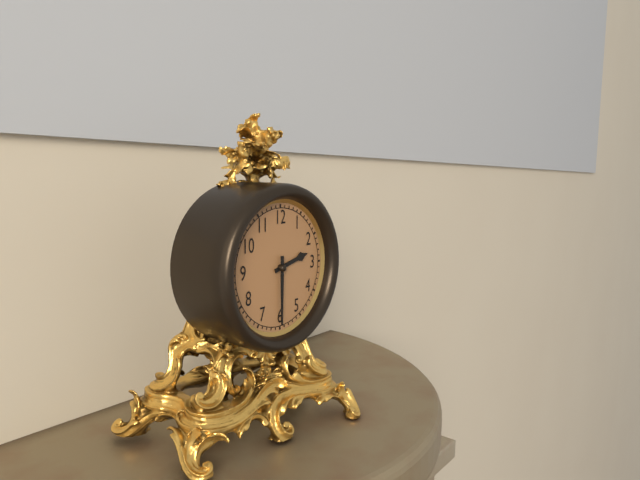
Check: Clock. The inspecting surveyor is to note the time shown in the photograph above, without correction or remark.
2:30
